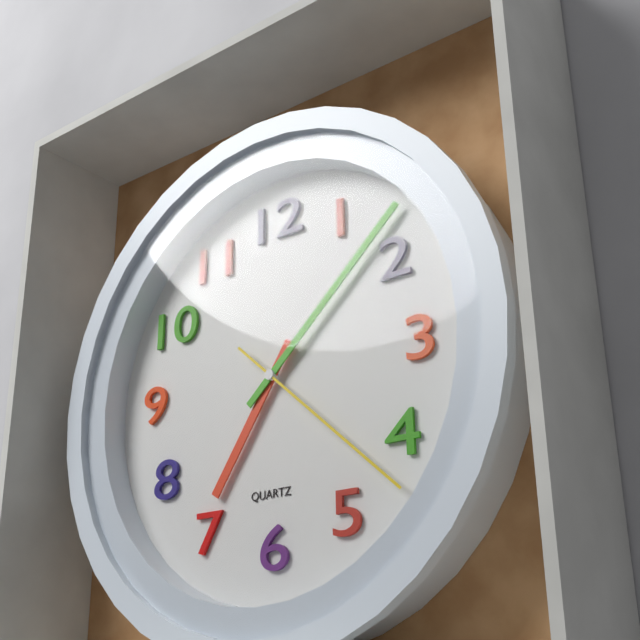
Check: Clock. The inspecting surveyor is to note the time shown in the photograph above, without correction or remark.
7:08:22
